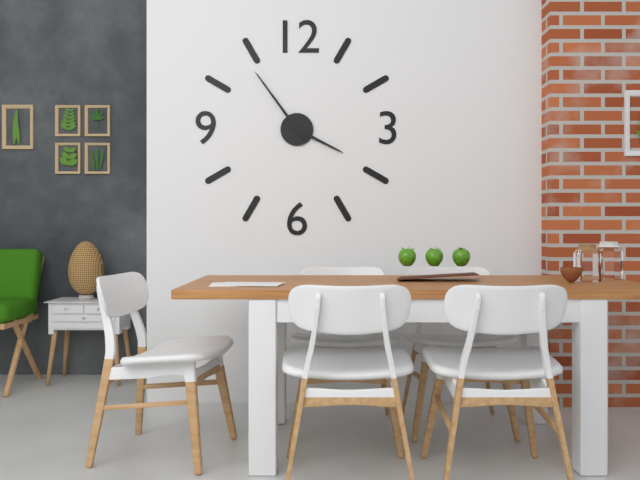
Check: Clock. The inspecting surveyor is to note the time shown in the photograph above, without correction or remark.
3:54
